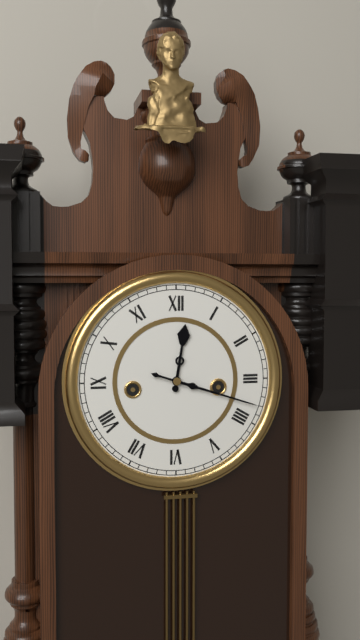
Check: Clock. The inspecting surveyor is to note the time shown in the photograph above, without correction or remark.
12:18
